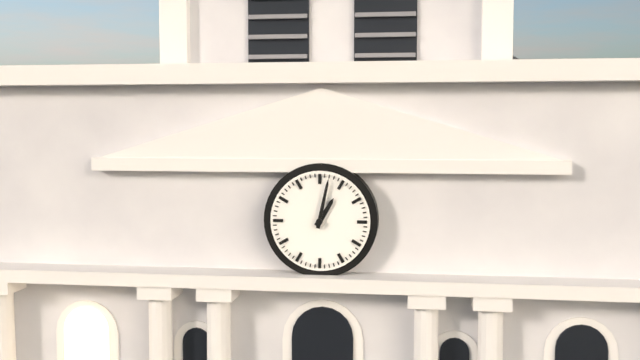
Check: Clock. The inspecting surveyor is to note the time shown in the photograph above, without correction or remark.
1:02
